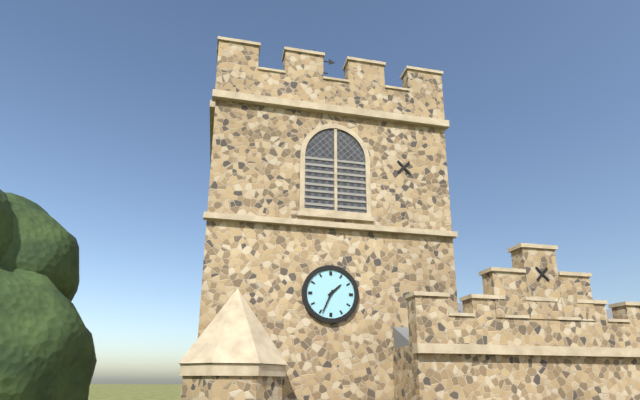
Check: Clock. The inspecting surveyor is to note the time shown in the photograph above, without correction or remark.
1:34
